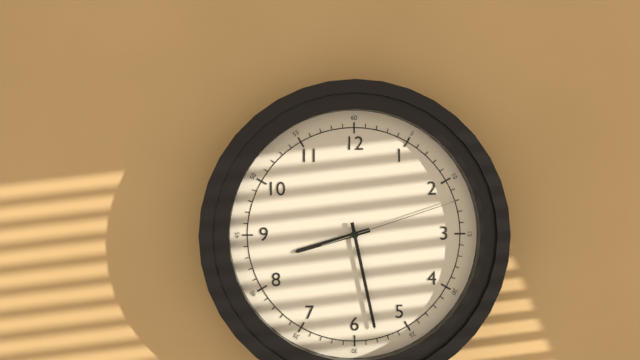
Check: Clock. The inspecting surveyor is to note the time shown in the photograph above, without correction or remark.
8:28:12
